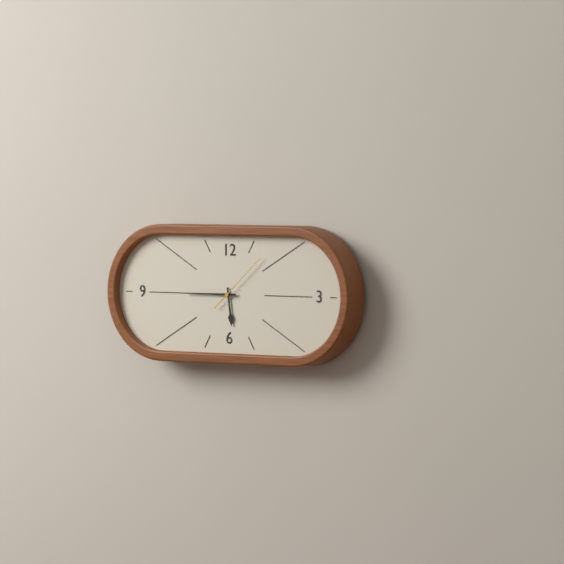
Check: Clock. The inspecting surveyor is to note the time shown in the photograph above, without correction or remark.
5:45:08
